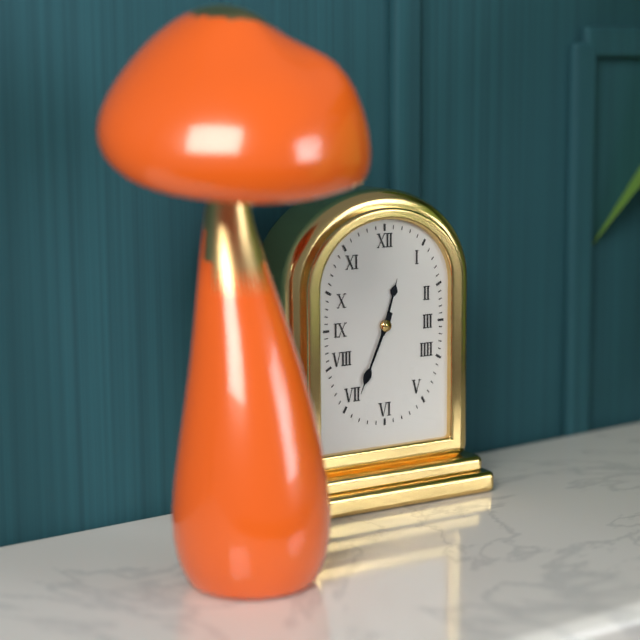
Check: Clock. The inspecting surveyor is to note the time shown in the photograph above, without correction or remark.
12:34
